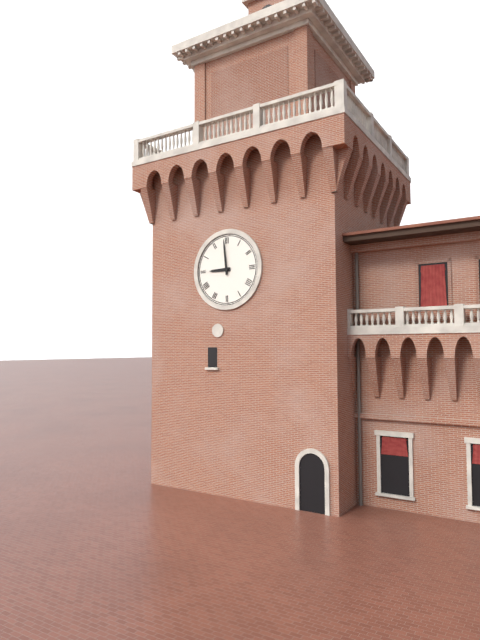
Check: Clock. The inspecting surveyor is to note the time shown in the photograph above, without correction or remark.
8:59
